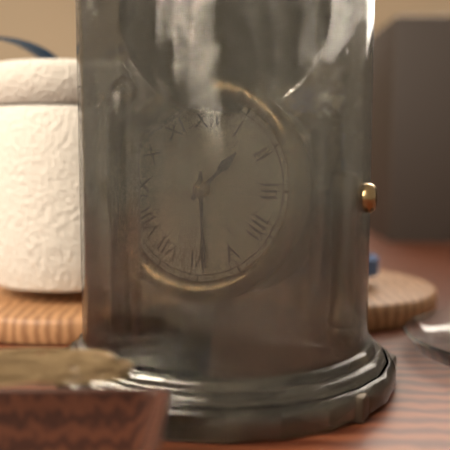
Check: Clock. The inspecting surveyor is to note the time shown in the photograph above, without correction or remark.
1:29
